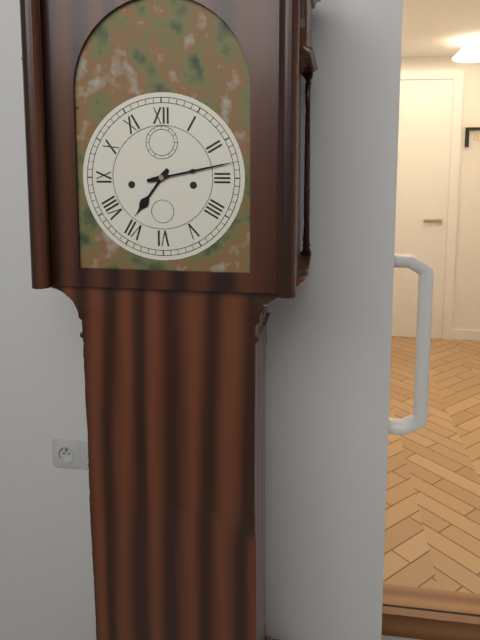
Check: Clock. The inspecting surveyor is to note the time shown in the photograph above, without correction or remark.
7:13
